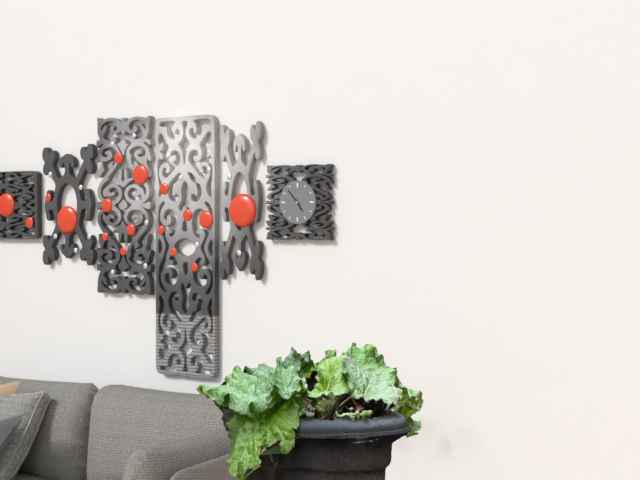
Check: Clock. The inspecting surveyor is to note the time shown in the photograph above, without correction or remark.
4:53
